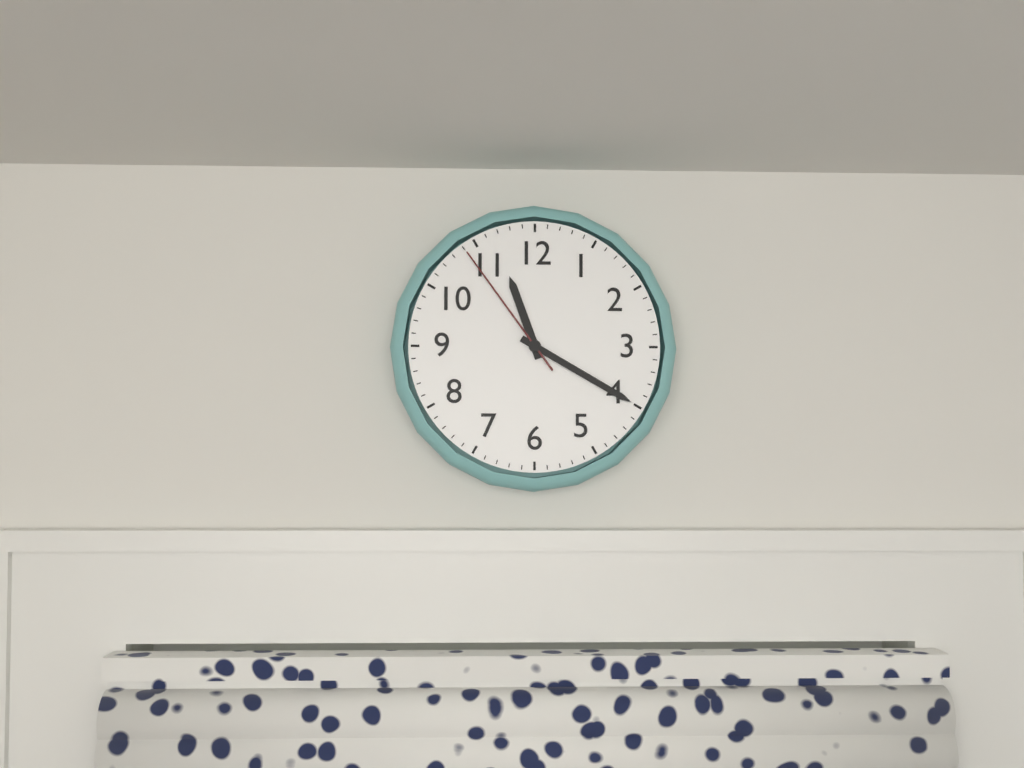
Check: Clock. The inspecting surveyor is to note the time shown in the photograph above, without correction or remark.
11:20:54
